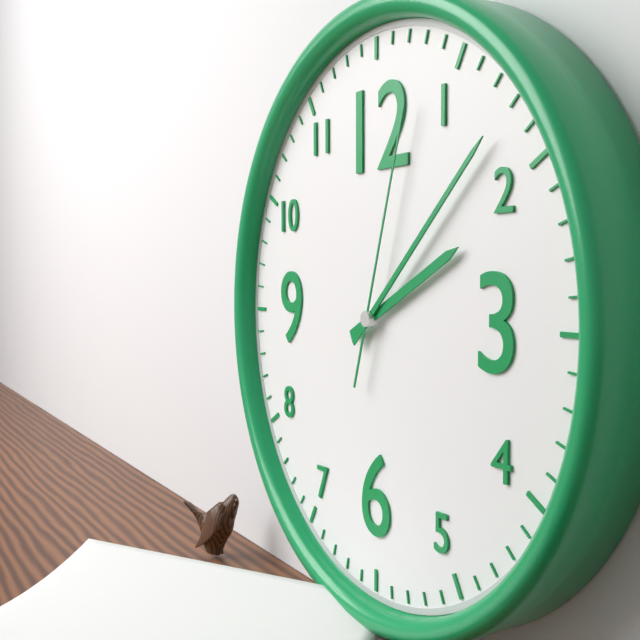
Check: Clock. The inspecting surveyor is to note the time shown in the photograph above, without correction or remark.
2:08:03
